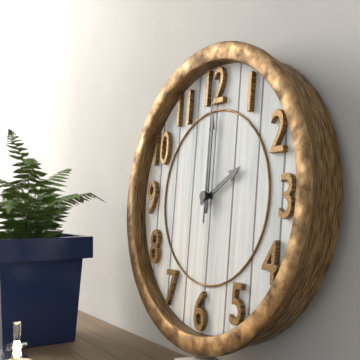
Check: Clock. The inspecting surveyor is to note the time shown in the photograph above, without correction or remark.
2:00:00
